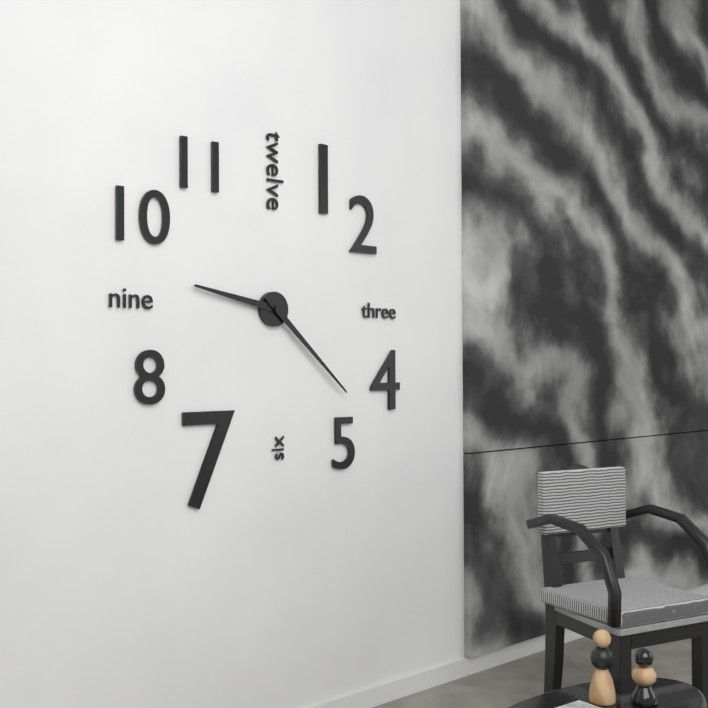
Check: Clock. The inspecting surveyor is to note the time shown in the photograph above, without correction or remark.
9:22
